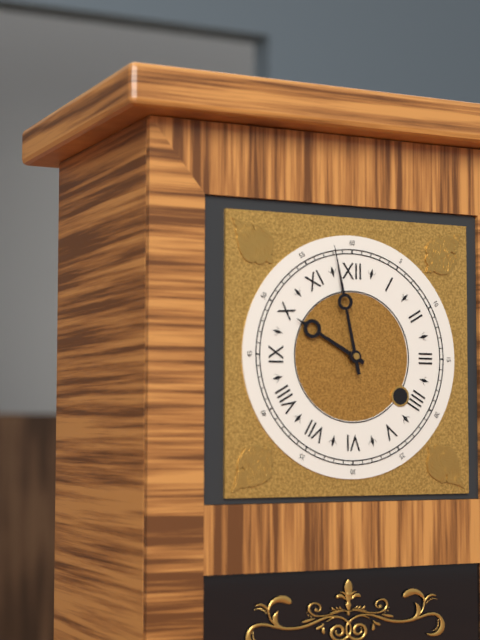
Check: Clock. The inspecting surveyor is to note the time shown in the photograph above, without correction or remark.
9:58
